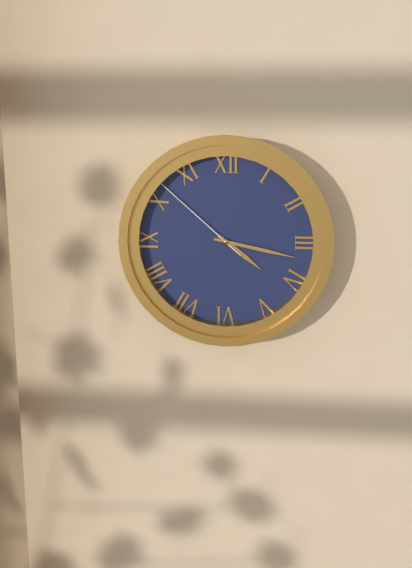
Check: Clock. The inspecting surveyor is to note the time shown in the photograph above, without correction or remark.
4:17:52
